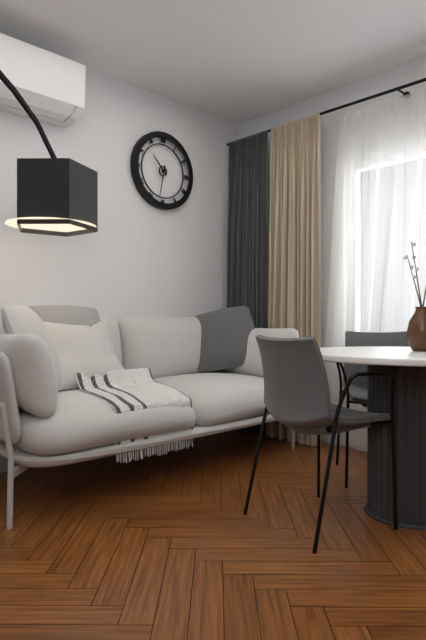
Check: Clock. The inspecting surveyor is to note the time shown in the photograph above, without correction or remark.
10:32
